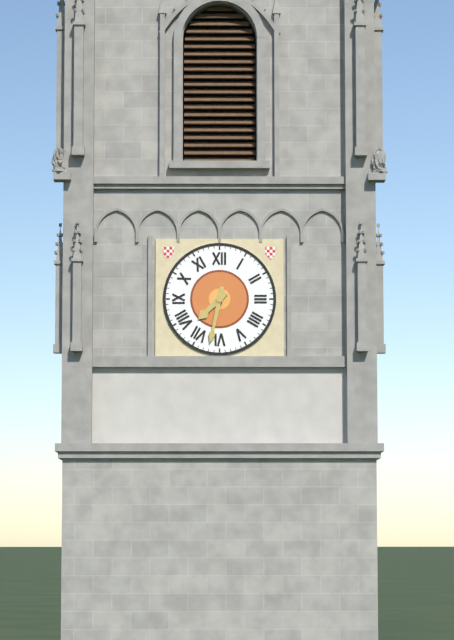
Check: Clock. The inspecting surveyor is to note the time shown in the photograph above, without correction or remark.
7:32
